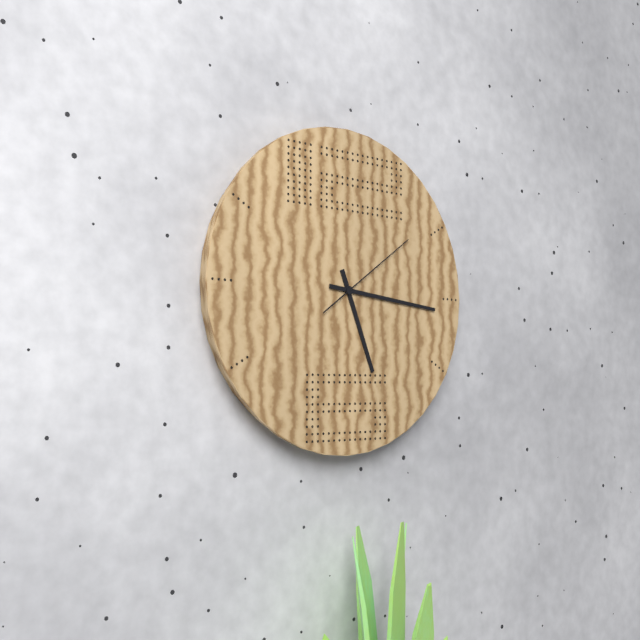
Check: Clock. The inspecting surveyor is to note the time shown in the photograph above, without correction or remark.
5:16:09
